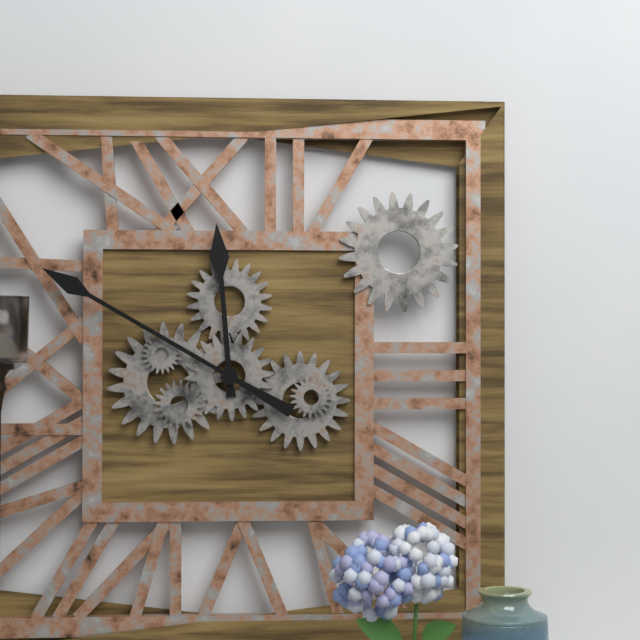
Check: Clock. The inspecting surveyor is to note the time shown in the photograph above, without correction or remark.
11:50
